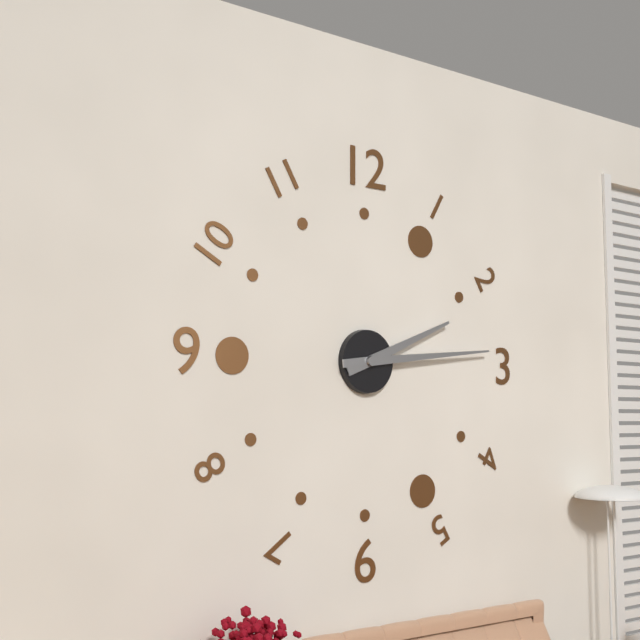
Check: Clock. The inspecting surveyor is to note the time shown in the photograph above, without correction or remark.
2:14
